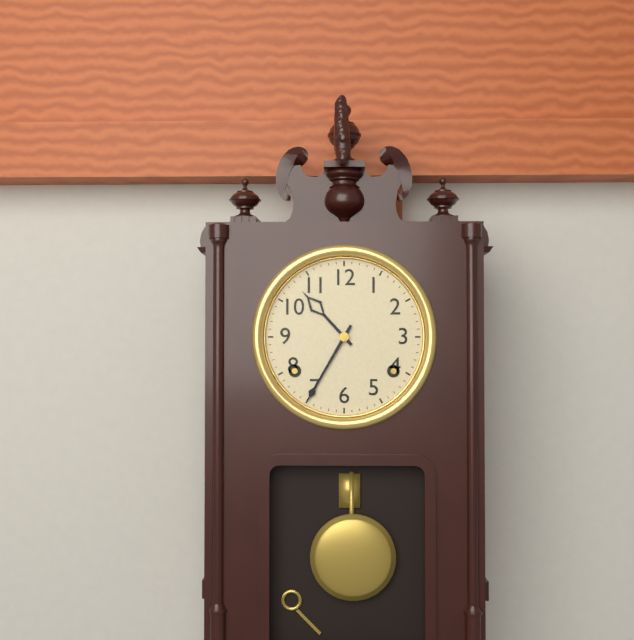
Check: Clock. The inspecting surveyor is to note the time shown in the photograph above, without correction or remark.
10:35
